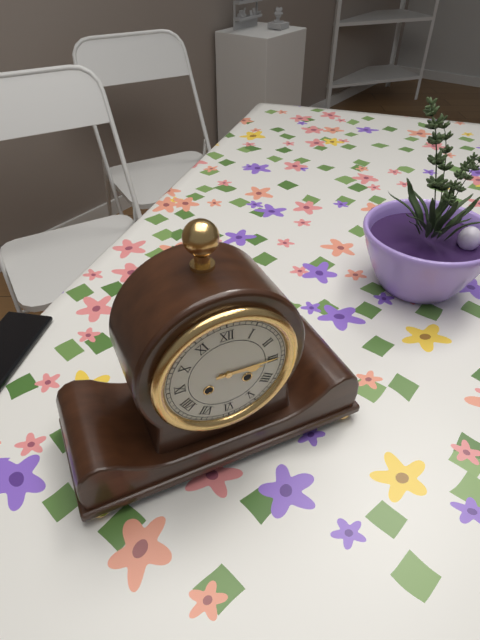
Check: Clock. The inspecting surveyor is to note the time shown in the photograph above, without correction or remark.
3:15
